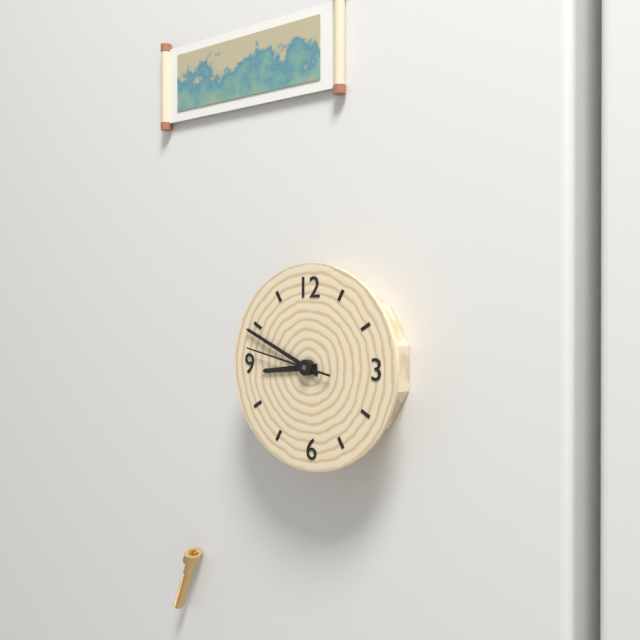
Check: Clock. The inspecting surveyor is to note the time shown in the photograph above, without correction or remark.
8:49:47
